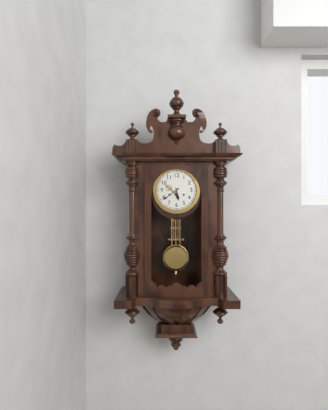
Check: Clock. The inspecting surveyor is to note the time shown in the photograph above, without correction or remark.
5:39
